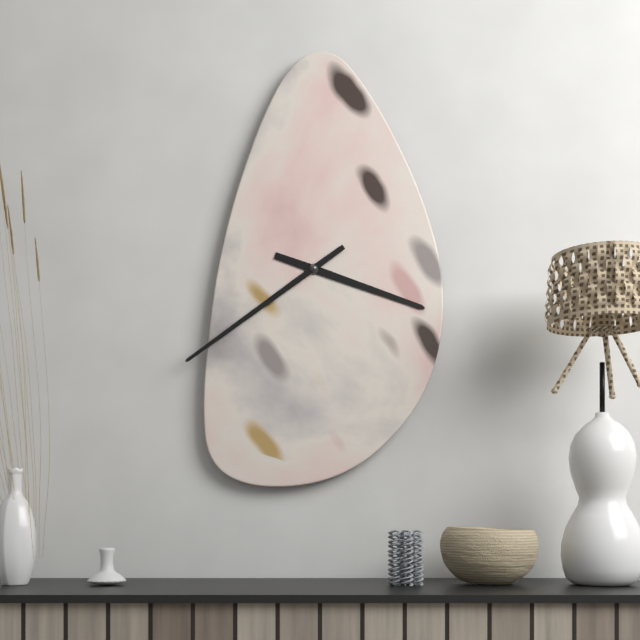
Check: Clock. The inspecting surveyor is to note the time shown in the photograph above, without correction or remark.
3:39
